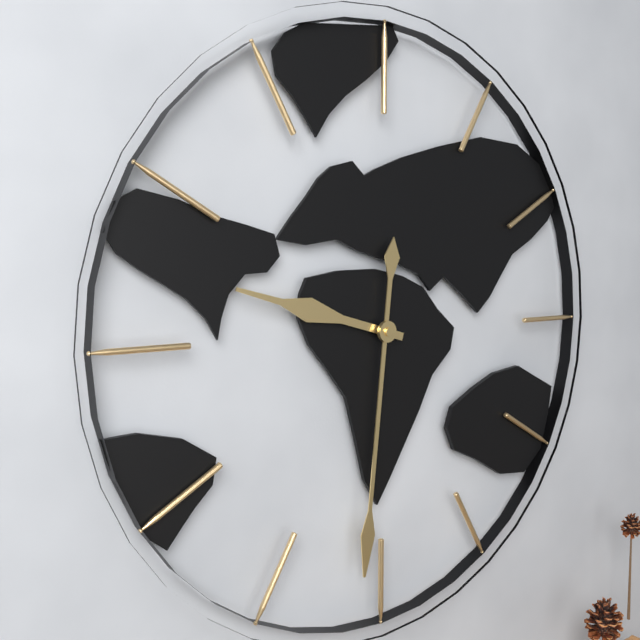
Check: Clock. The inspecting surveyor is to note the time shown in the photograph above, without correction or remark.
9:31
